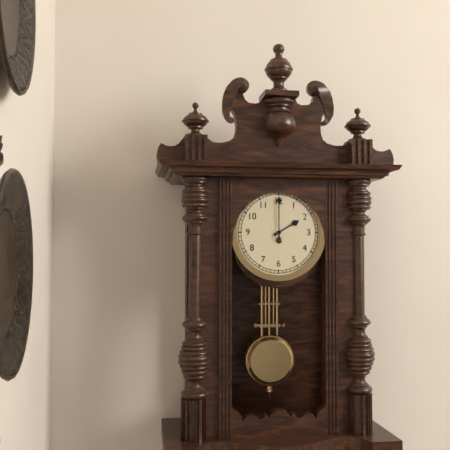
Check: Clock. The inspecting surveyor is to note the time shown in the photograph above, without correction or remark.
2:00
